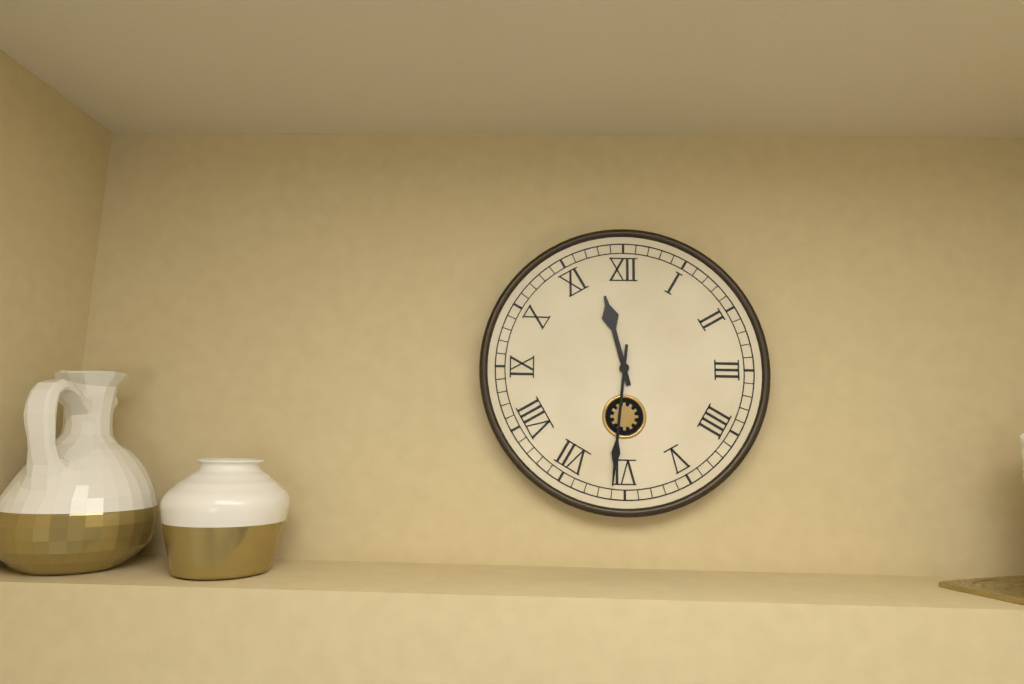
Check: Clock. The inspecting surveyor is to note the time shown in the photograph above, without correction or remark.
11:31
